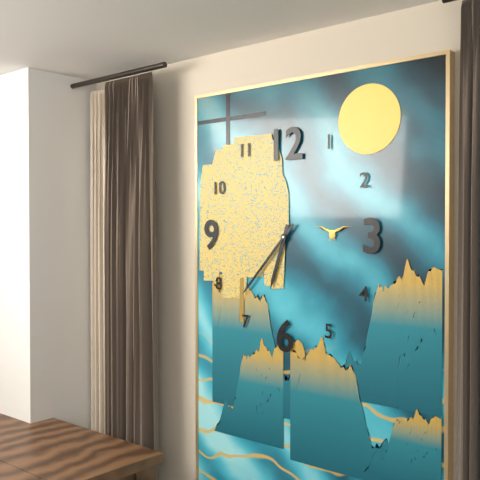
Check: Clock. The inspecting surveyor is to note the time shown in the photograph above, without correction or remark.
6:37
